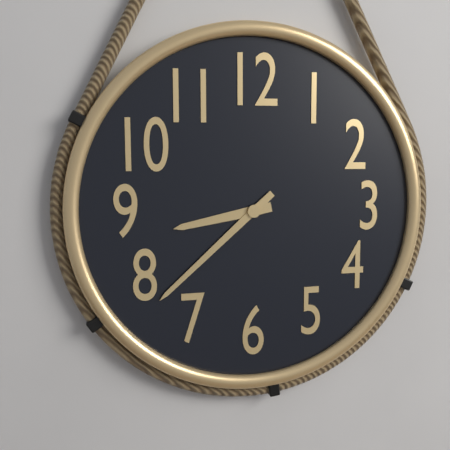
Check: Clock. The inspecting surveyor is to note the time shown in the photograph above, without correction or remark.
8:38
